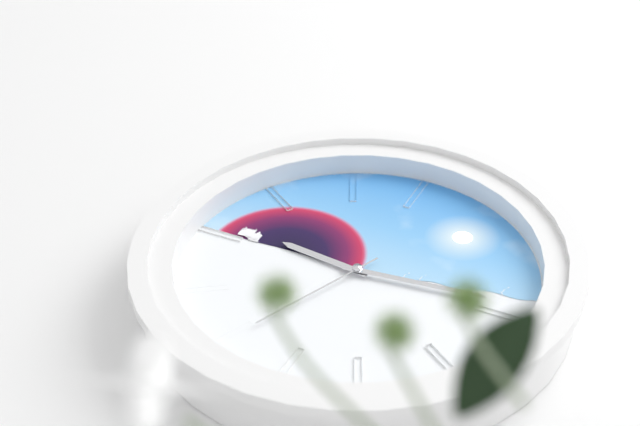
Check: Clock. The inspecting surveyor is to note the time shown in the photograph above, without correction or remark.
9:14:34
